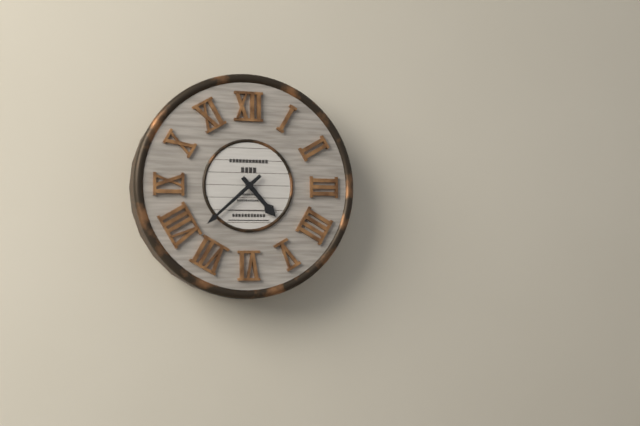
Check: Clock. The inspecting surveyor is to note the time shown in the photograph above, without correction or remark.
4:38
